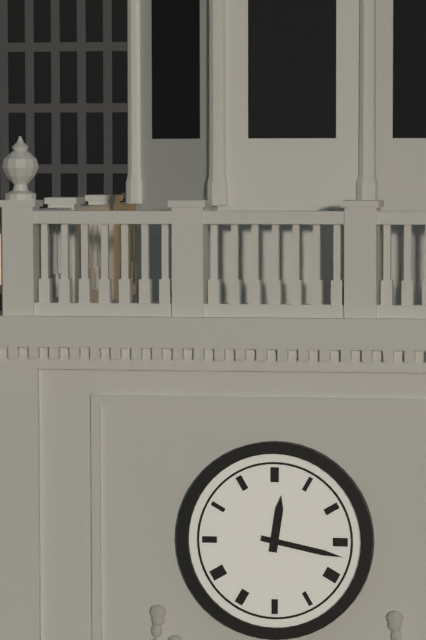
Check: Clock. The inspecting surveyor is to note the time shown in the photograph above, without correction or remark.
12:17
